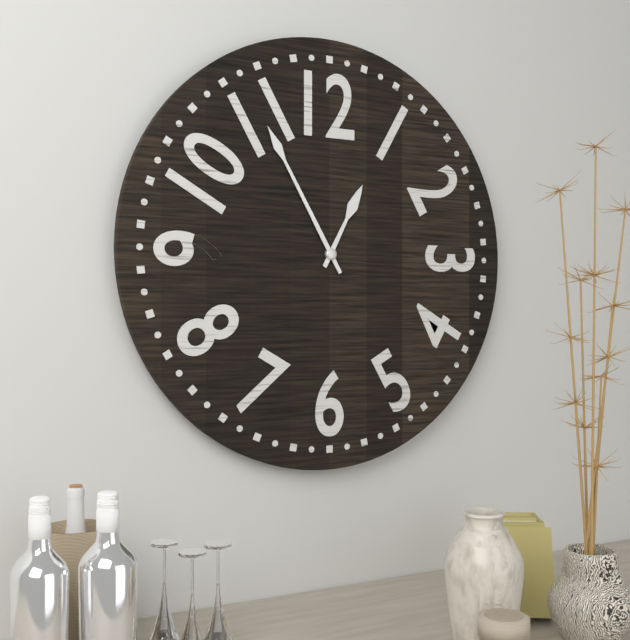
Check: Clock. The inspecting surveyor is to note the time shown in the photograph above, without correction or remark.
12:55
